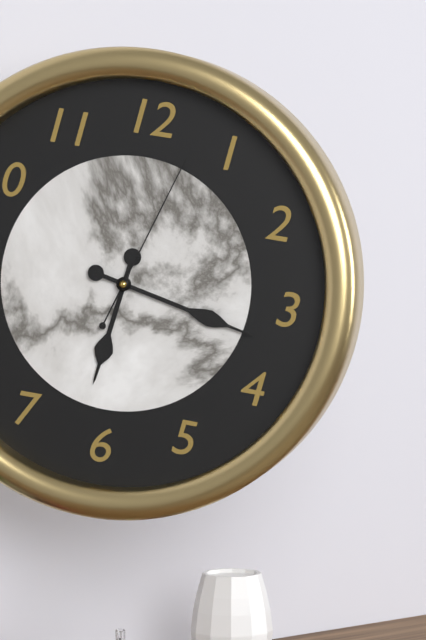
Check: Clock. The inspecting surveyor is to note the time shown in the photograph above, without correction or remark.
6:17:03
